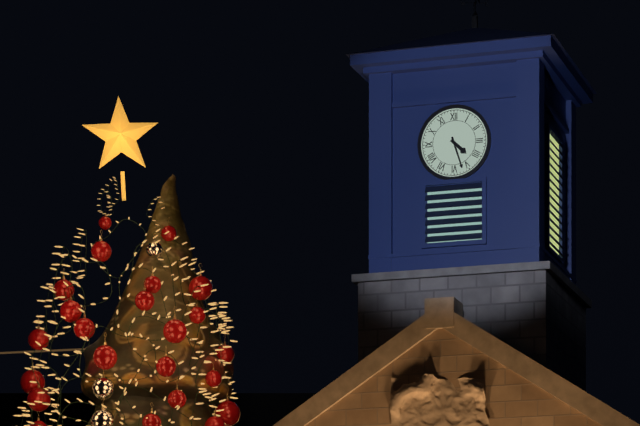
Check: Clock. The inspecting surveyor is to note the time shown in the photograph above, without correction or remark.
4:27
